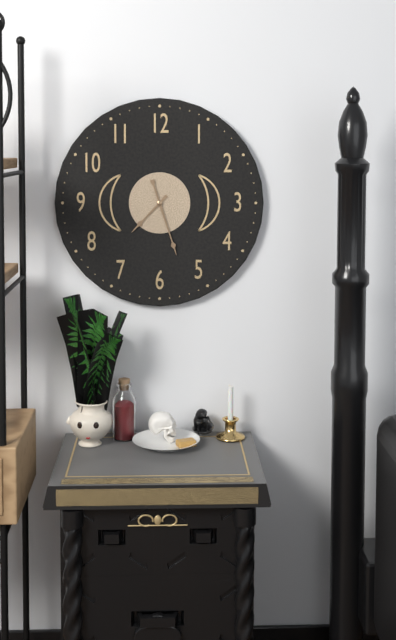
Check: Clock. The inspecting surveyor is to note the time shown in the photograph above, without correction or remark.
7:27
